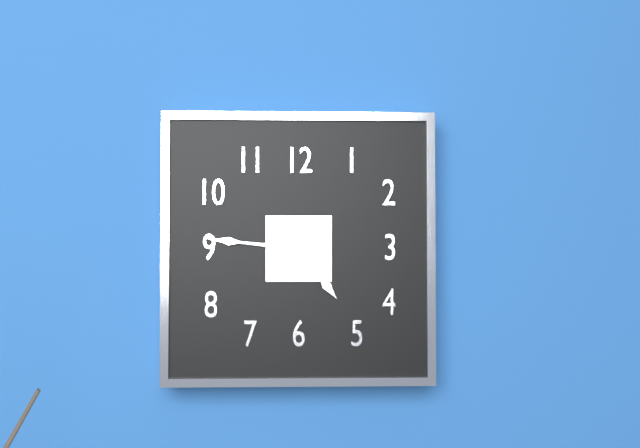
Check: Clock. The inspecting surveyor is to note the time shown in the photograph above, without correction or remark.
4:46
